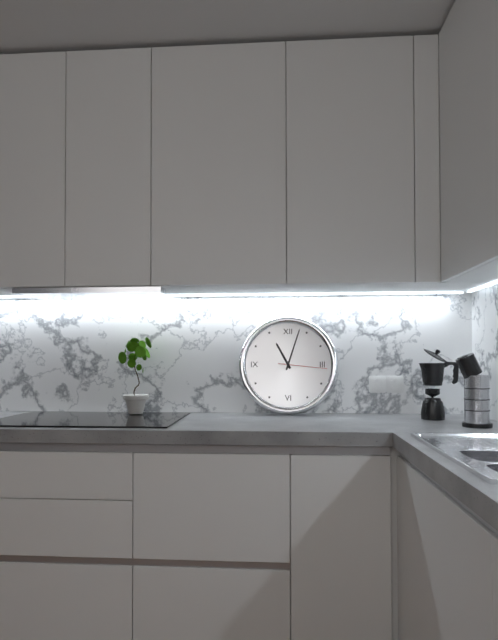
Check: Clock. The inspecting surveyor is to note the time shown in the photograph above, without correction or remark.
11:03
